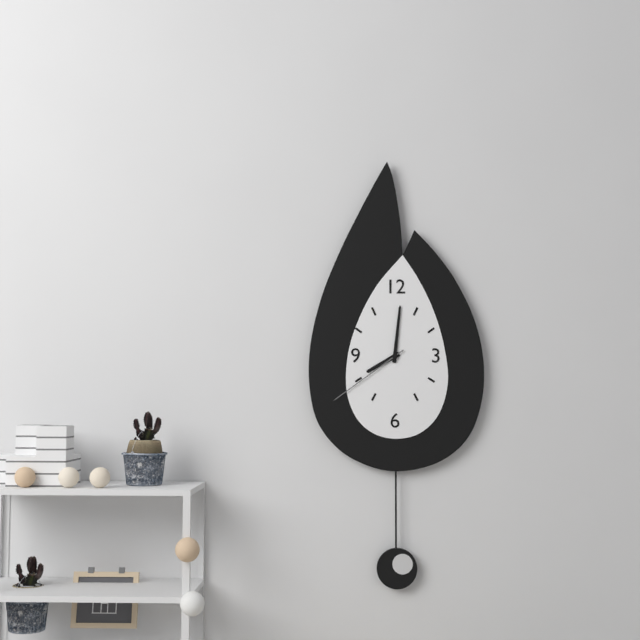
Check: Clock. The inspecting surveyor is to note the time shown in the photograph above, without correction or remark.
8:01:39
